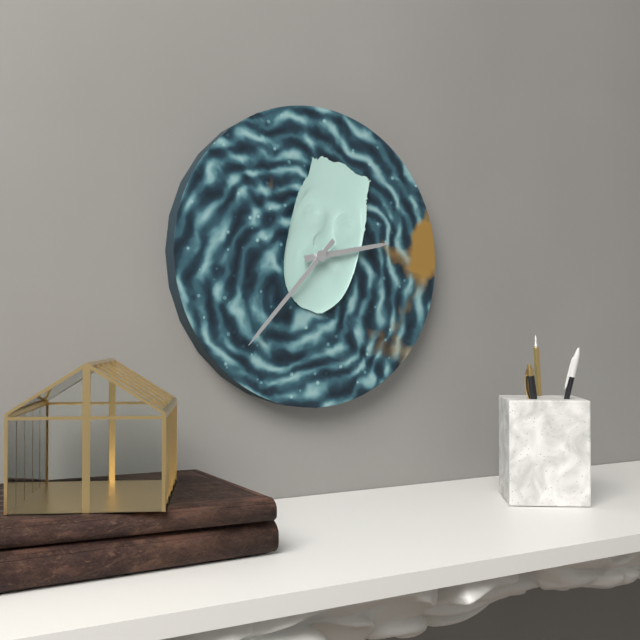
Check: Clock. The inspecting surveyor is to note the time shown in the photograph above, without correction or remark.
2:37
